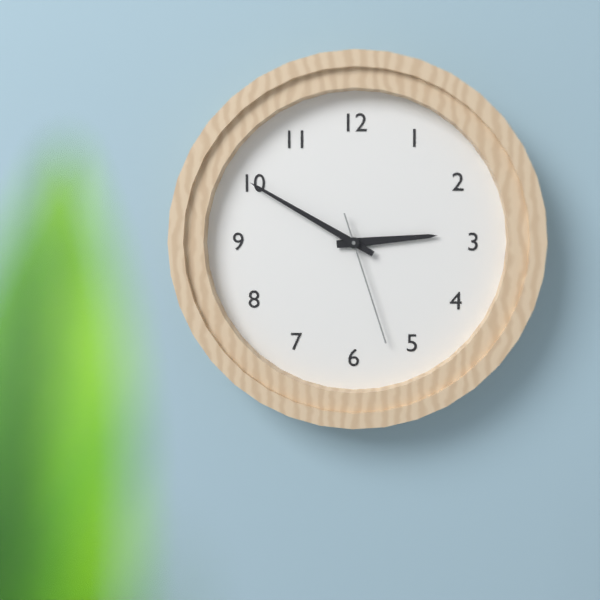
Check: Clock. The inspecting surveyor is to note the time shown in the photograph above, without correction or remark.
2:50:27
